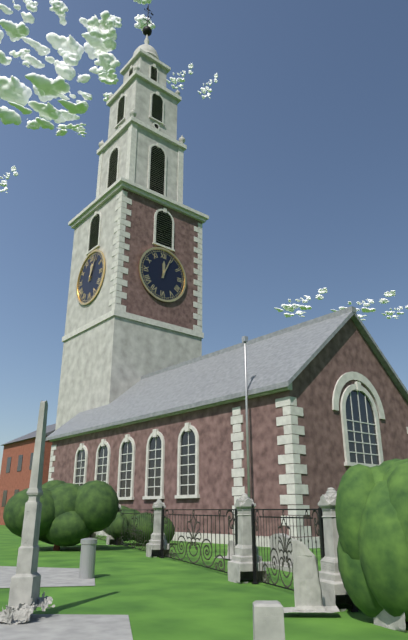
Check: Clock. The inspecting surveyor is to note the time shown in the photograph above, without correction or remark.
12:04
